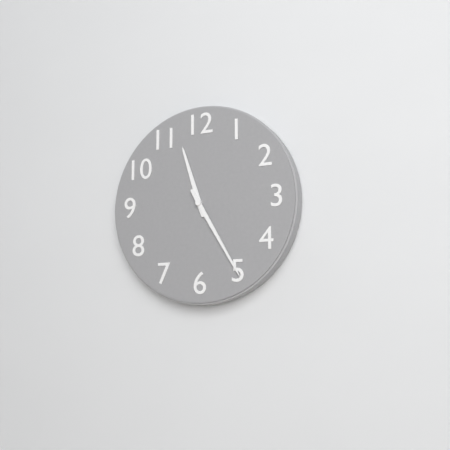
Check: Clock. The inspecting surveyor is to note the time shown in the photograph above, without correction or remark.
11:25
